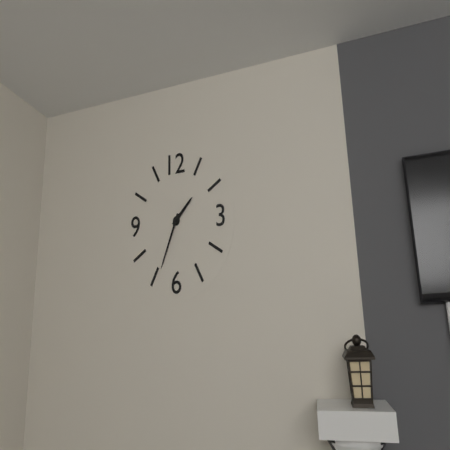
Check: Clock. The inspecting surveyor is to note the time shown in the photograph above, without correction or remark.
1:34
